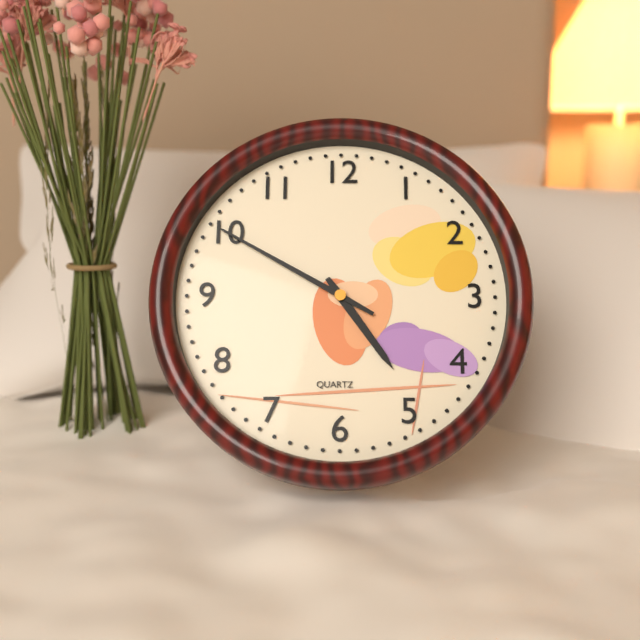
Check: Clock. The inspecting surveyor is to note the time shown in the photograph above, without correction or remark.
4:50
